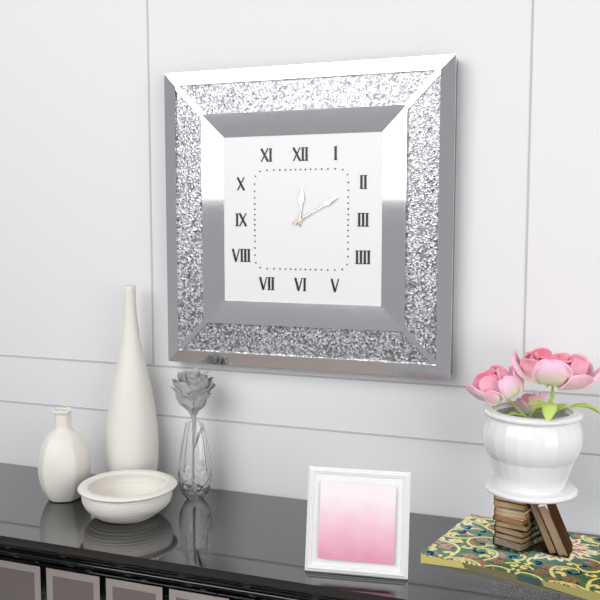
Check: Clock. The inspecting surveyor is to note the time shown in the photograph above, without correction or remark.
12:10
